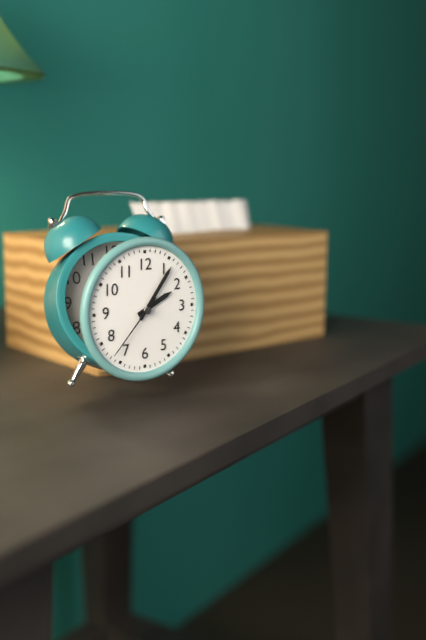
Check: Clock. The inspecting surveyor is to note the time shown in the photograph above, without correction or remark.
2:06:37
